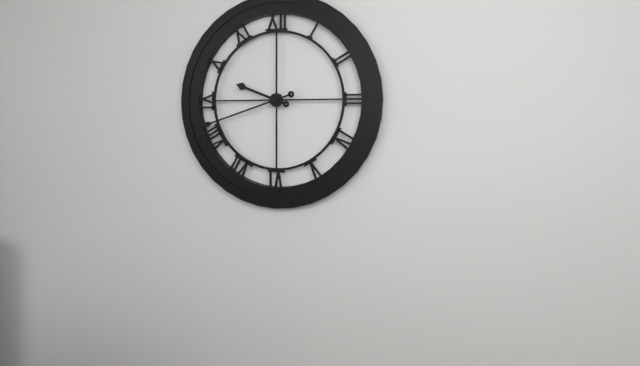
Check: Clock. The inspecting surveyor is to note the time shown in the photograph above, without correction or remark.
9:42
